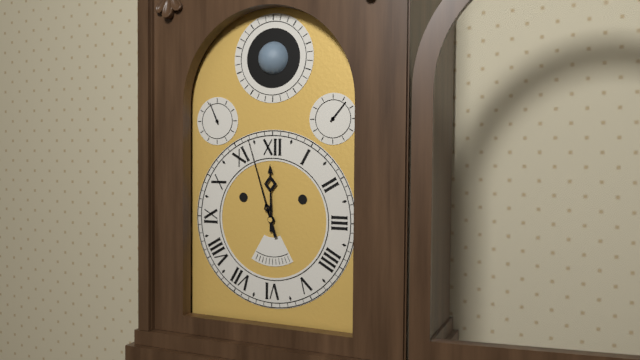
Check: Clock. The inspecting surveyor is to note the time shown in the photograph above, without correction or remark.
11:57
